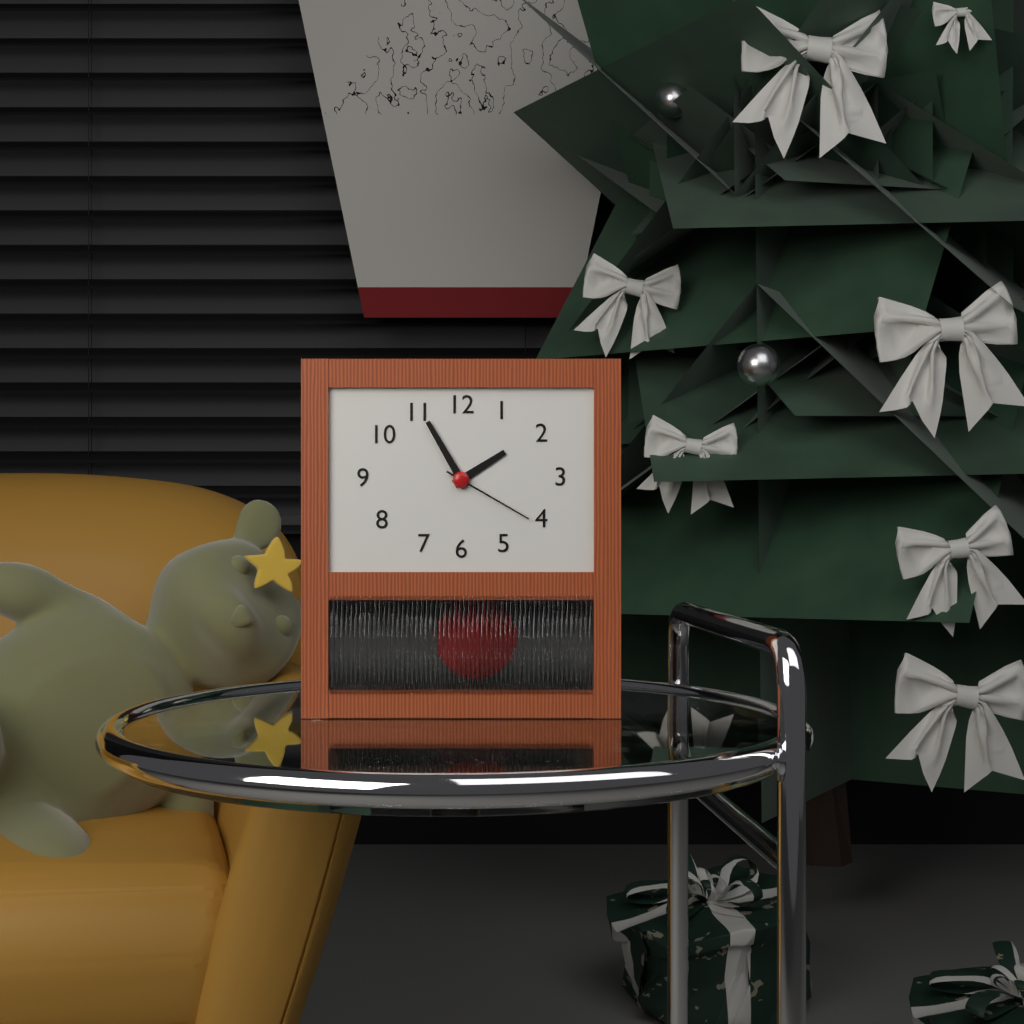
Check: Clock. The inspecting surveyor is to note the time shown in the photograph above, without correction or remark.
1:55:20
